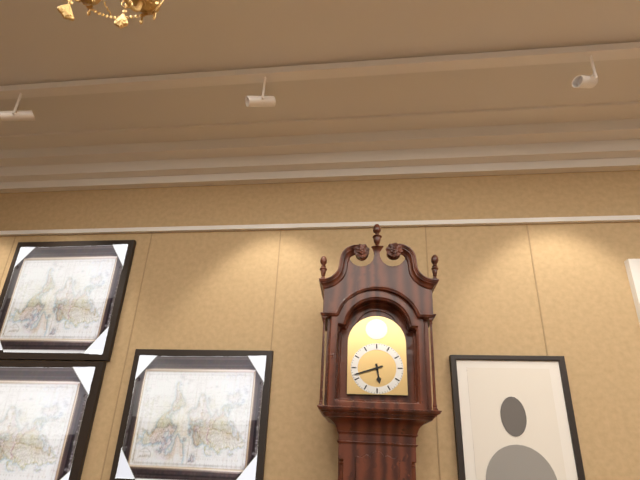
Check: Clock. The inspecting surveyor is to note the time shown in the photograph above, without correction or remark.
5:42
